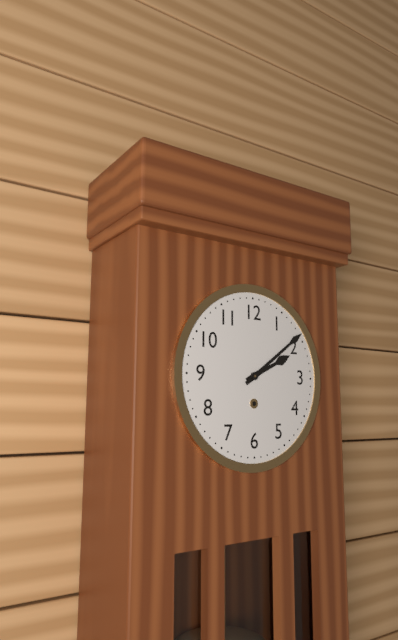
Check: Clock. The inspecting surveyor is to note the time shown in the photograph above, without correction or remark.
2:09
